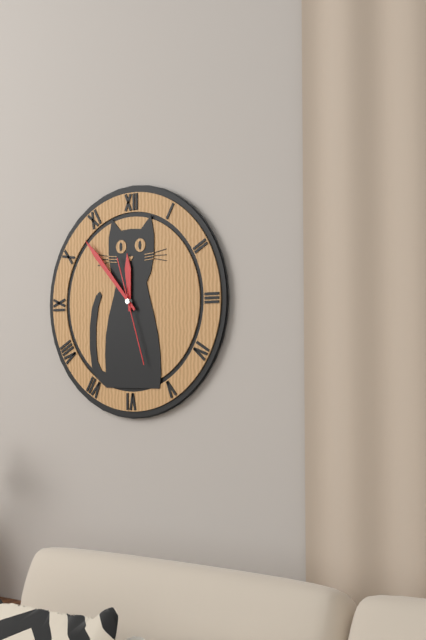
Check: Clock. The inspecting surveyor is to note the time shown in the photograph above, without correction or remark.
11:53:27
